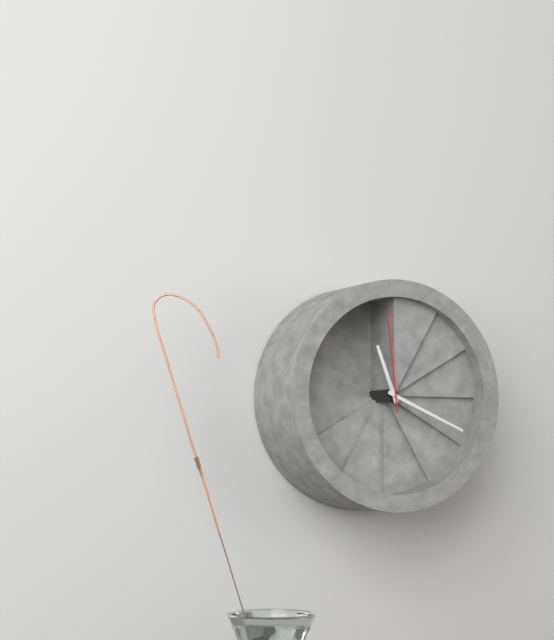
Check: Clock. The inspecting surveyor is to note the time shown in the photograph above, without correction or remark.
11:19:59
